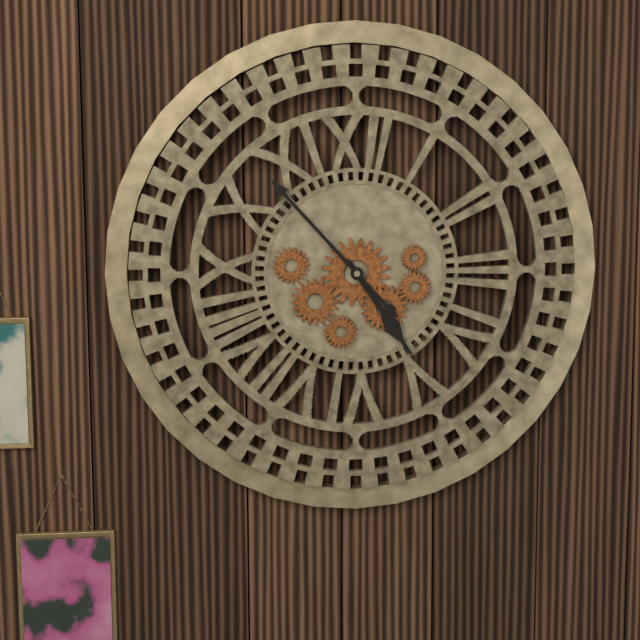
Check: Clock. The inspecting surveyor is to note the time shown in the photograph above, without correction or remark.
4:53
